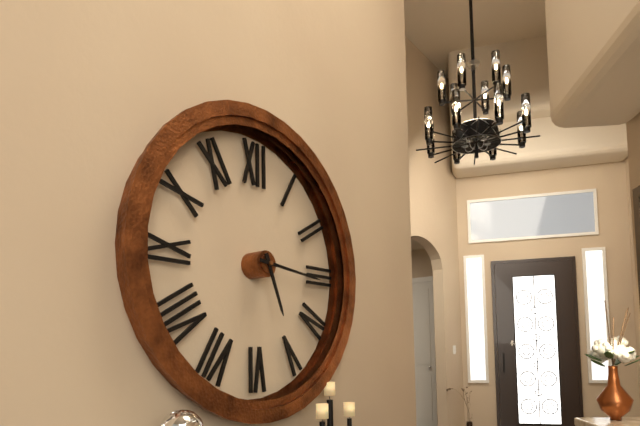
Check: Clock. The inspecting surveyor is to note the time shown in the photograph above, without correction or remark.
5:16
